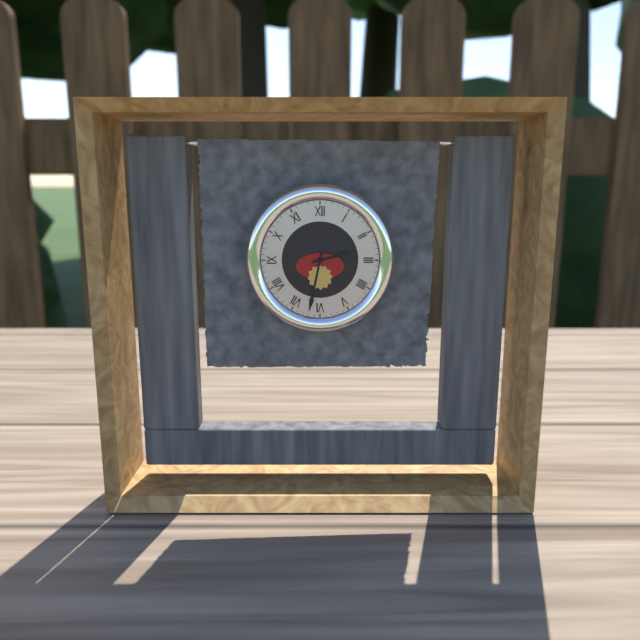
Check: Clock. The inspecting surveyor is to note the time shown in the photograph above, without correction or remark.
2:32
